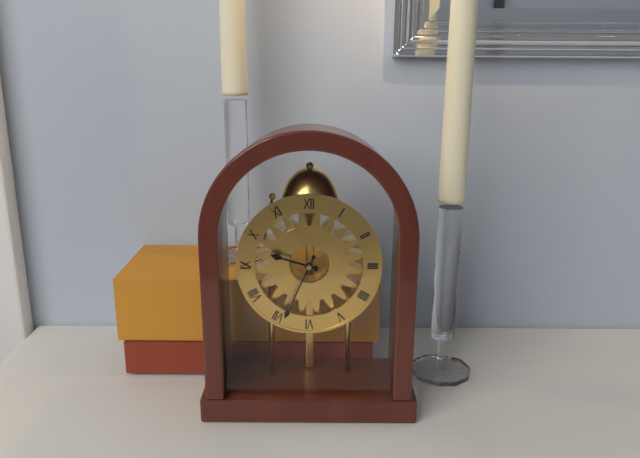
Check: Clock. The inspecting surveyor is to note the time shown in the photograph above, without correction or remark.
9:34
